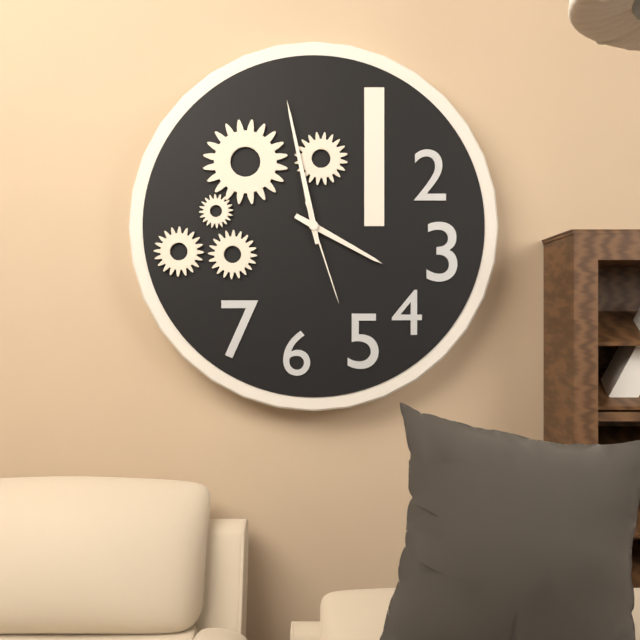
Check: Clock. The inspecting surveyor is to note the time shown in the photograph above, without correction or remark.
3:58:27
